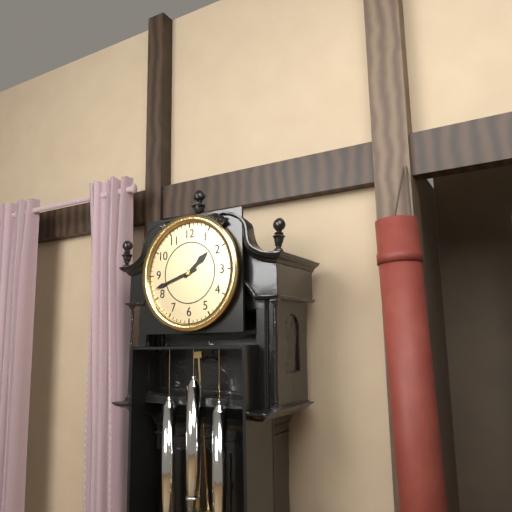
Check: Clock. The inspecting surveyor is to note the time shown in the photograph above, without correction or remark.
1:42
